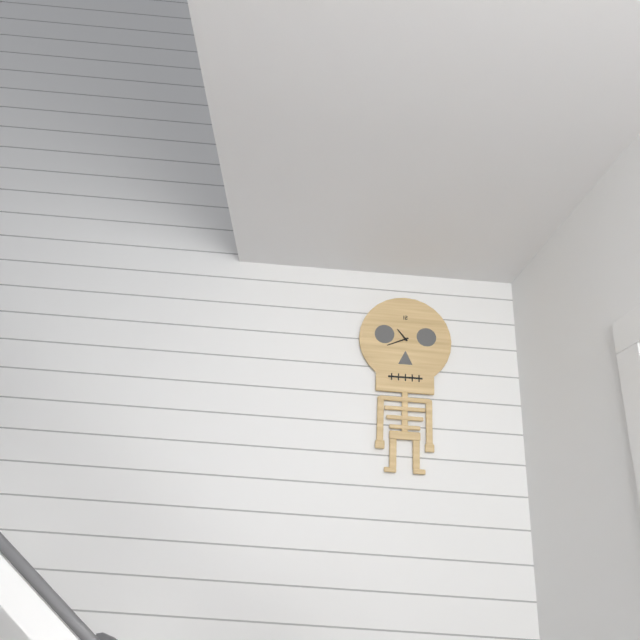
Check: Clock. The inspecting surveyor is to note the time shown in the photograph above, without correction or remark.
10:41
